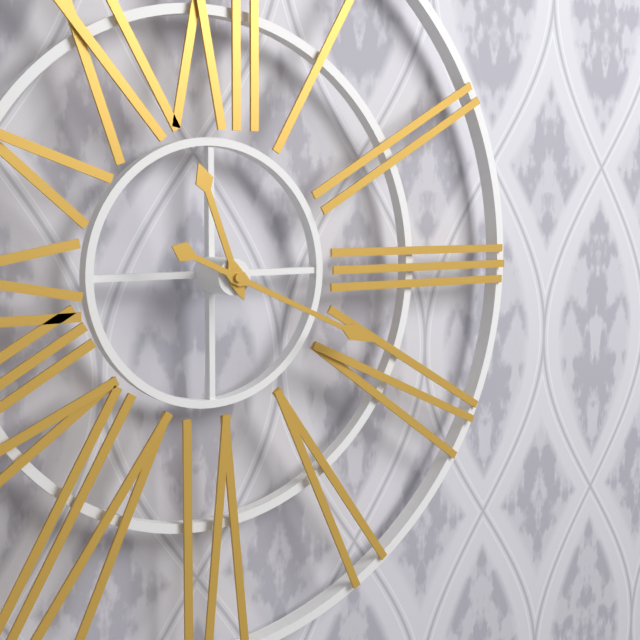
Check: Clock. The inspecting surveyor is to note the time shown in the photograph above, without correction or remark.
11:19
